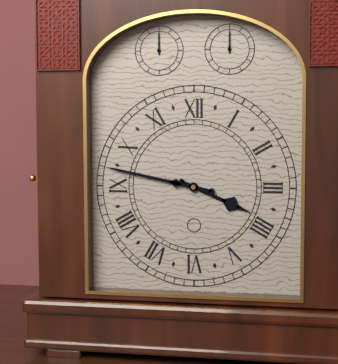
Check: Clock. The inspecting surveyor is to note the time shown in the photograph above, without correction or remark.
3:47
